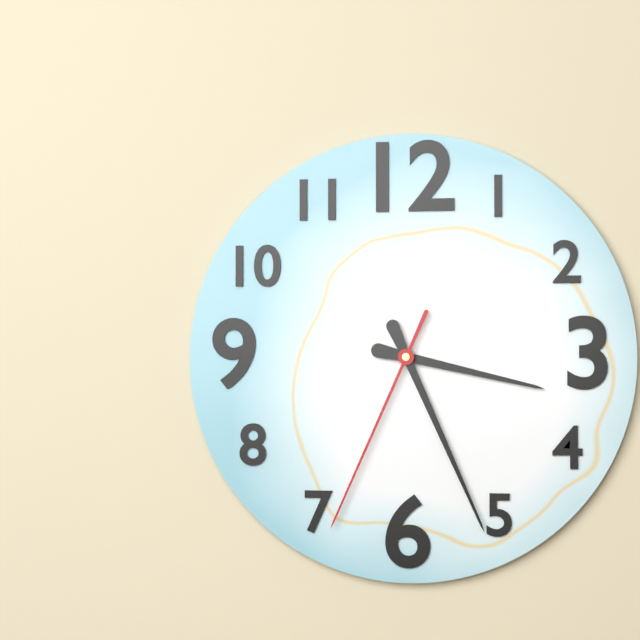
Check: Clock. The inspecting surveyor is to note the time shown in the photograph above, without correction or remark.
3:26:34
